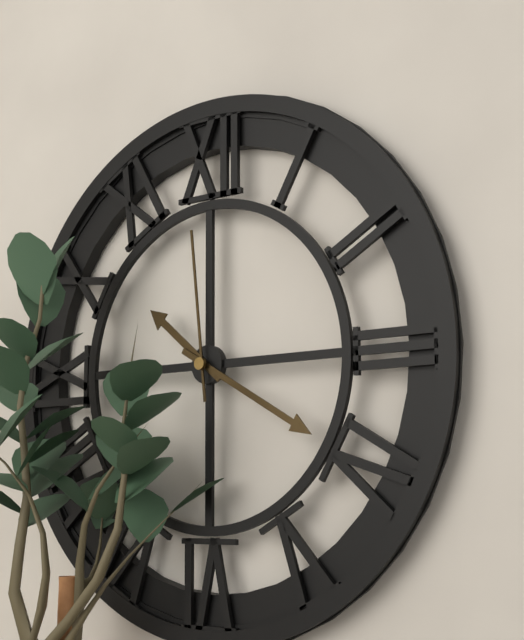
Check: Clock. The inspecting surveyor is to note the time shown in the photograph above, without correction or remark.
10:20:59
